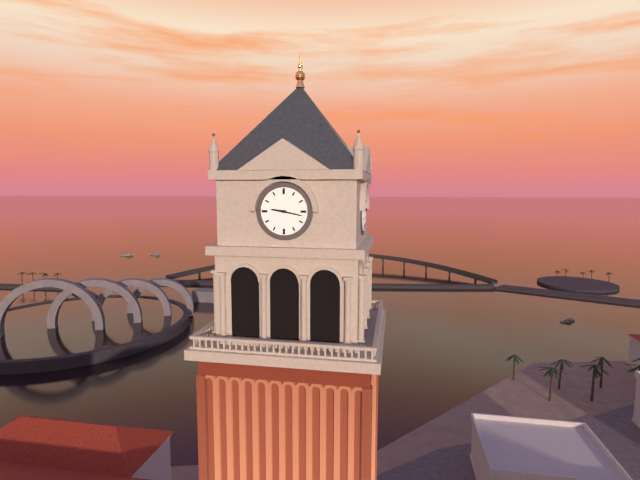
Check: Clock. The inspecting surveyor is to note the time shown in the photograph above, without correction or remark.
9:17
